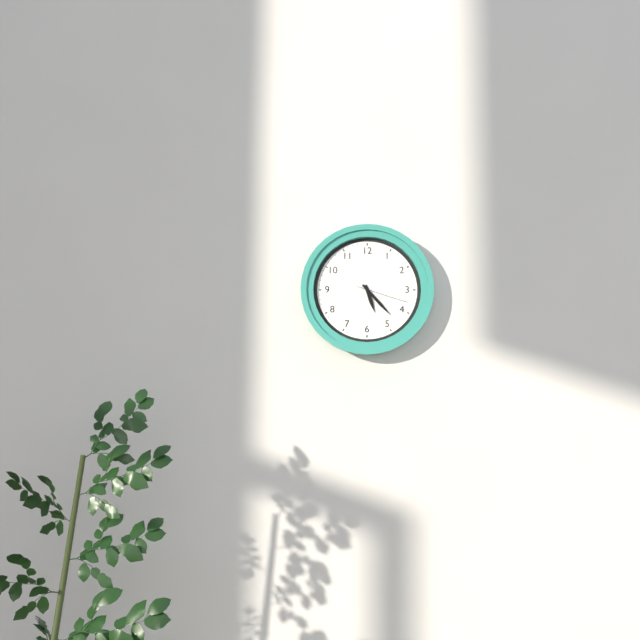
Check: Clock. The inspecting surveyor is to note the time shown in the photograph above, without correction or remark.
5:23:18
